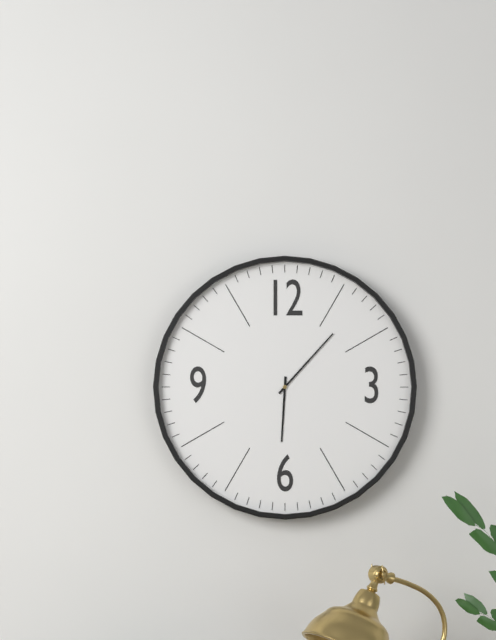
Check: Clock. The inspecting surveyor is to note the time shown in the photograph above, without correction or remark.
6:07
